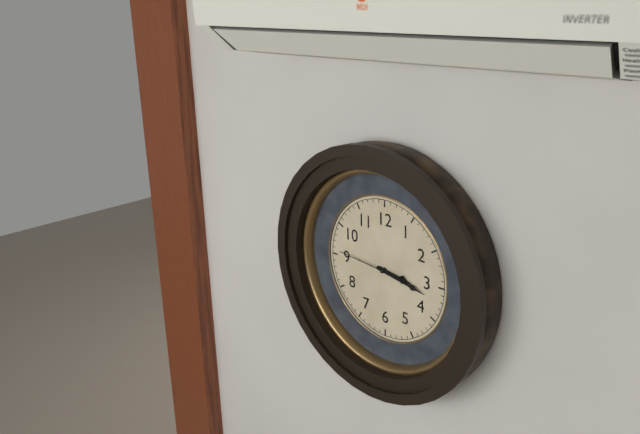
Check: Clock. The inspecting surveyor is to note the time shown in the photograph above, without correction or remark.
3:17:46
